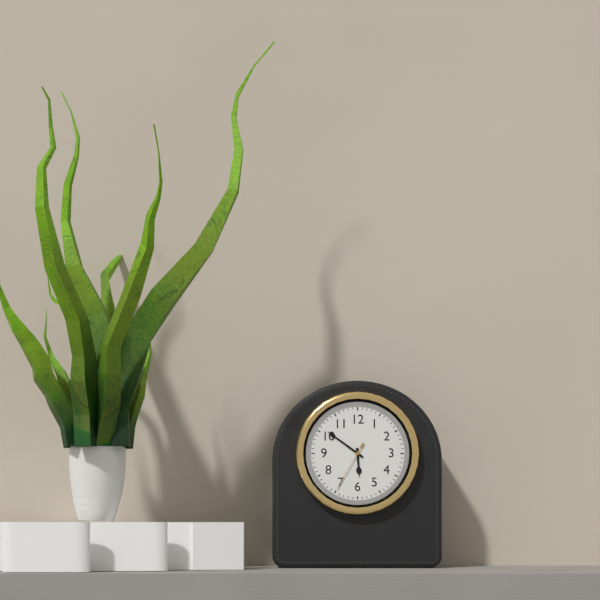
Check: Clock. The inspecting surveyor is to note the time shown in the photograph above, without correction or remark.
5:51:35
